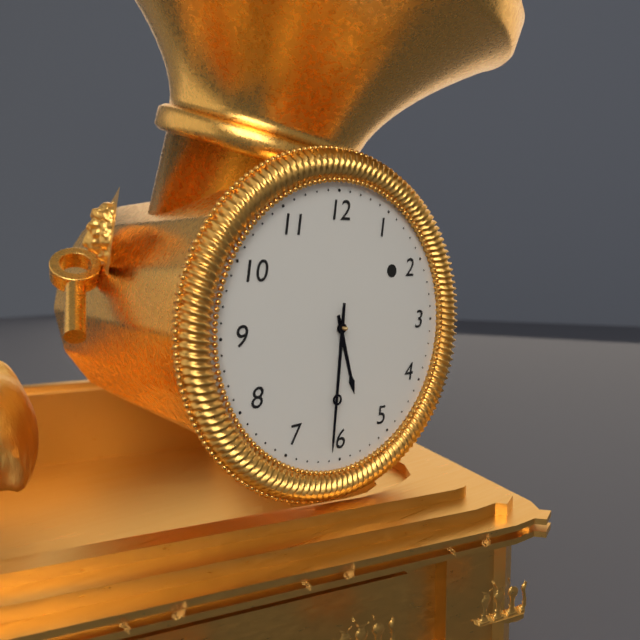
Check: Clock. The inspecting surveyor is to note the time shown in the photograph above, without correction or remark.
5:31
